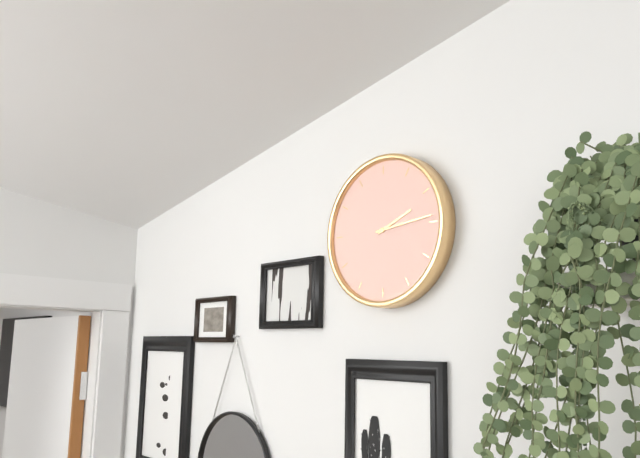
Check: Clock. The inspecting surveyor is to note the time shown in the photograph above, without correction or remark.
2:14
